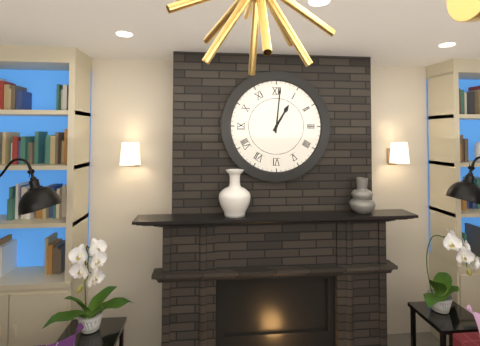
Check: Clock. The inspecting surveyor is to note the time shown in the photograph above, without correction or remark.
1:01
